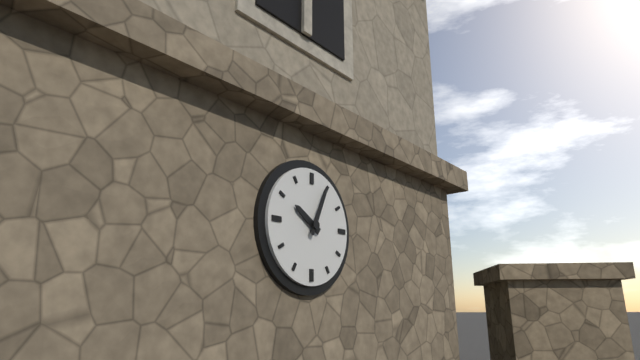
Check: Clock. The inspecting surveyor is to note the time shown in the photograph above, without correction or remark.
10:04
